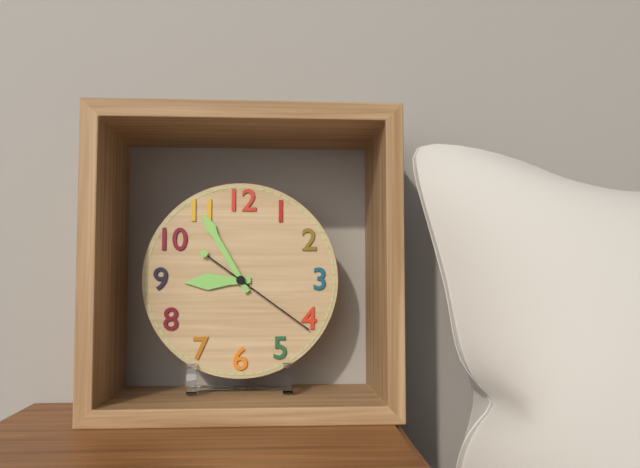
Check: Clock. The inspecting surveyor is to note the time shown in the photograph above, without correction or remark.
8:55:21
